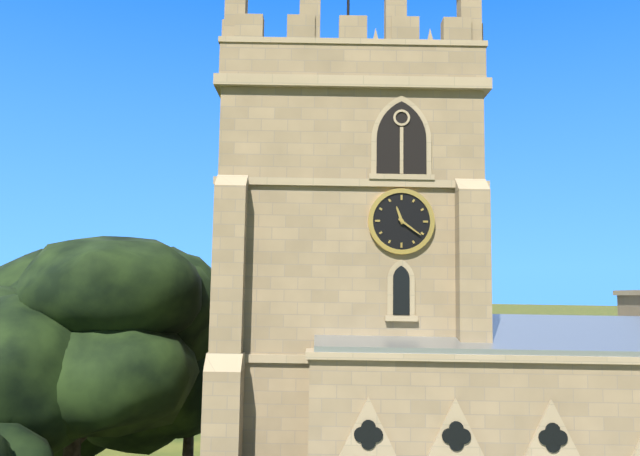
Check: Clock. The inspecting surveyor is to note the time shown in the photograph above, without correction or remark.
11:21
